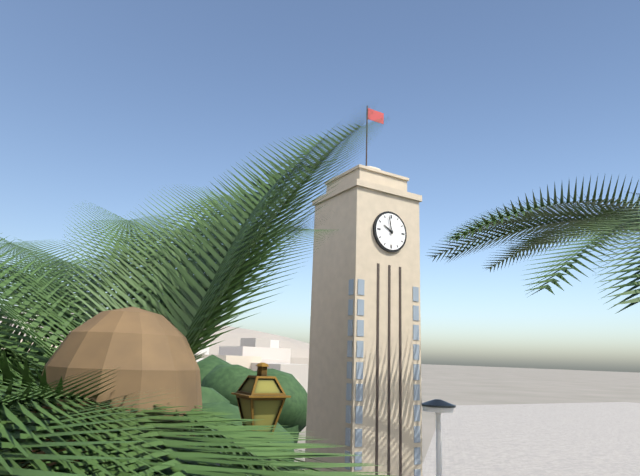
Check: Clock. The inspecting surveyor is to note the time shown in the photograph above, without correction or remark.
9:58
